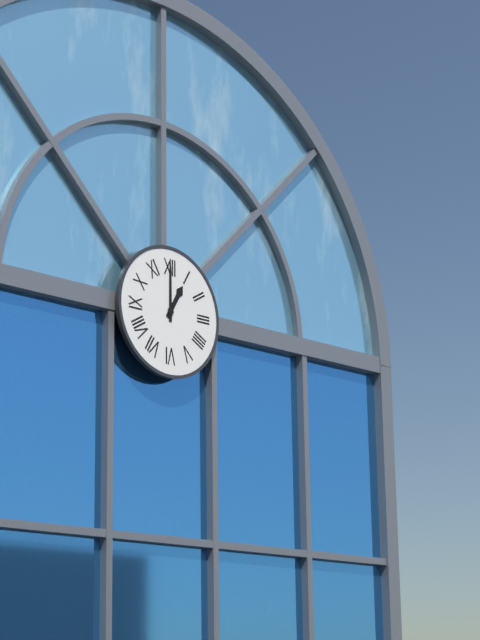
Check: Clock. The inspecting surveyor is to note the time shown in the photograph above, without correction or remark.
1:00
